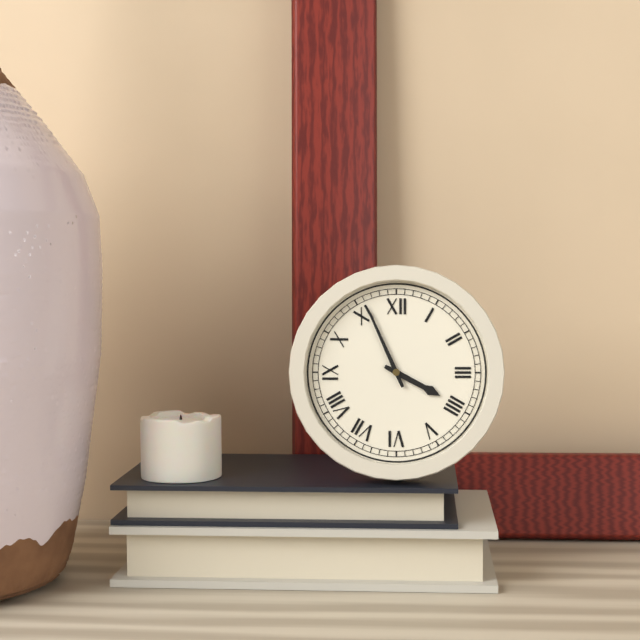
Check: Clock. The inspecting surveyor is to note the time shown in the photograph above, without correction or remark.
3:56
